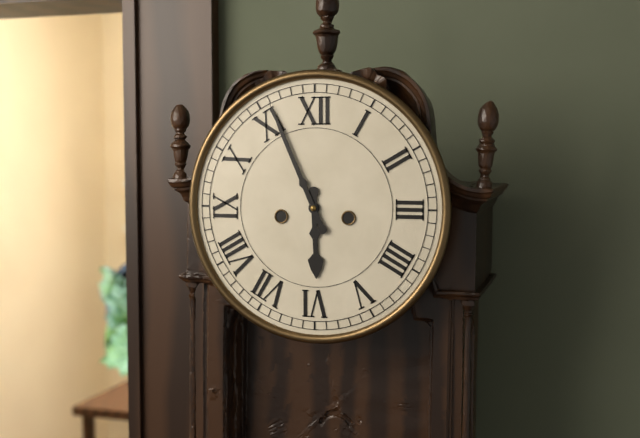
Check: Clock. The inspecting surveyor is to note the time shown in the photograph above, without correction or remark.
5:56
